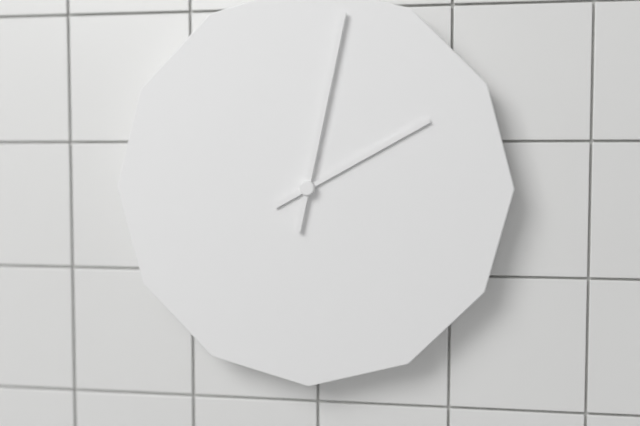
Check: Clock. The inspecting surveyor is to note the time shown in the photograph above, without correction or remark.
2:02
